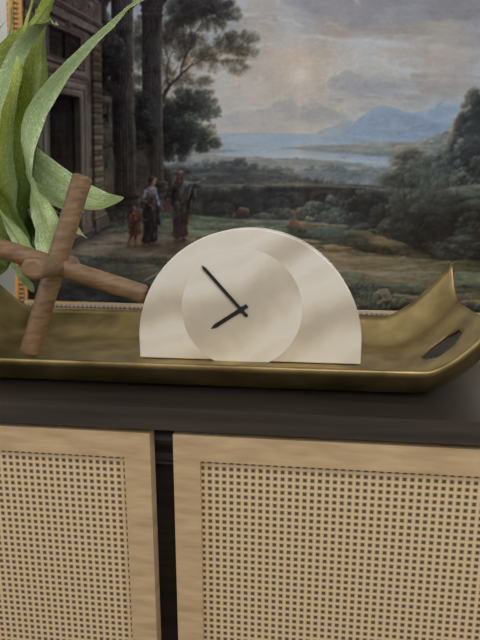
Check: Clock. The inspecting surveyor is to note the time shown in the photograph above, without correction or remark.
7:53
